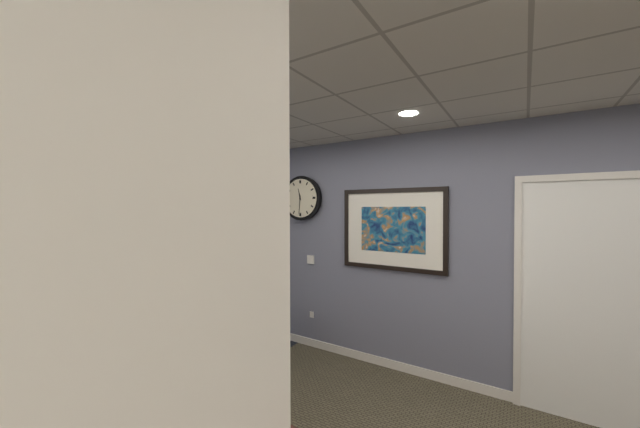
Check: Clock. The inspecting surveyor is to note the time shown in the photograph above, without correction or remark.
11:31
